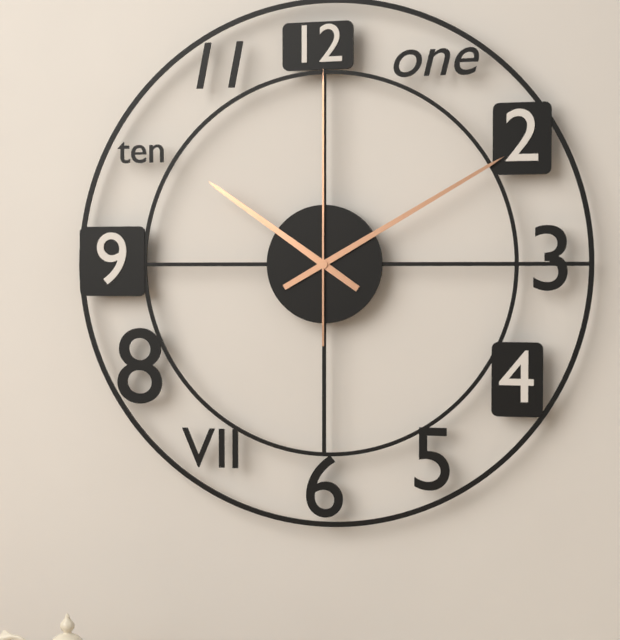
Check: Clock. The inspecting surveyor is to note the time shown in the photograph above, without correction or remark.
10:10:00
